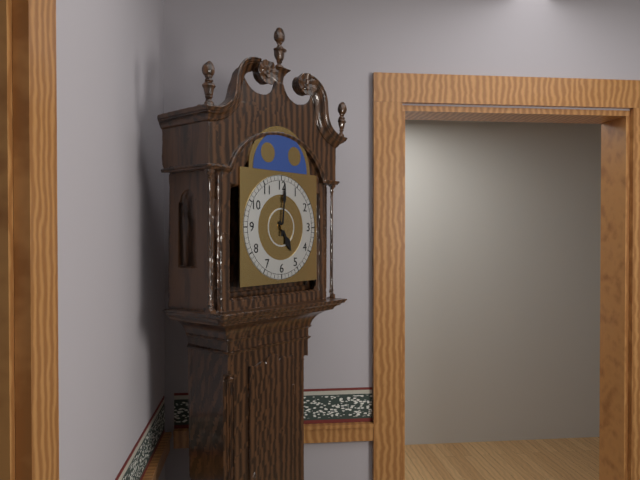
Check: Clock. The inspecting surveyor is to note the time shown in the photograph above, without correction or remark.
5:01
